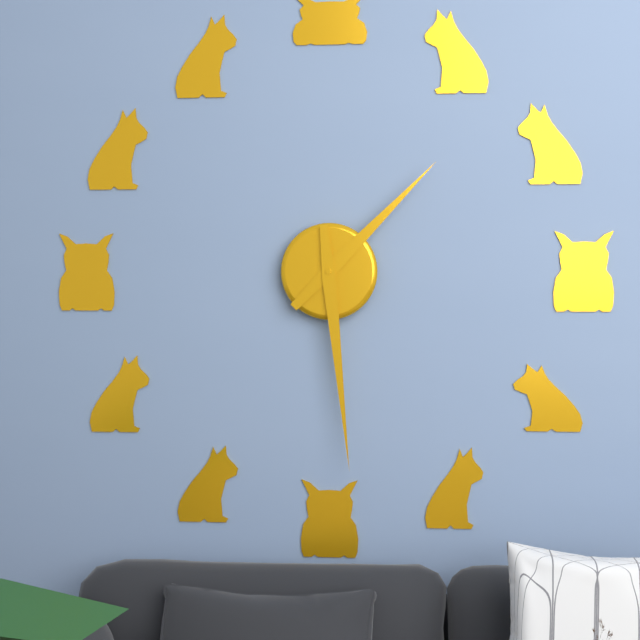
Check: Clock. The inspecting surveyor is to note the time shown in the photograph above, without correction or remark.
1:29
